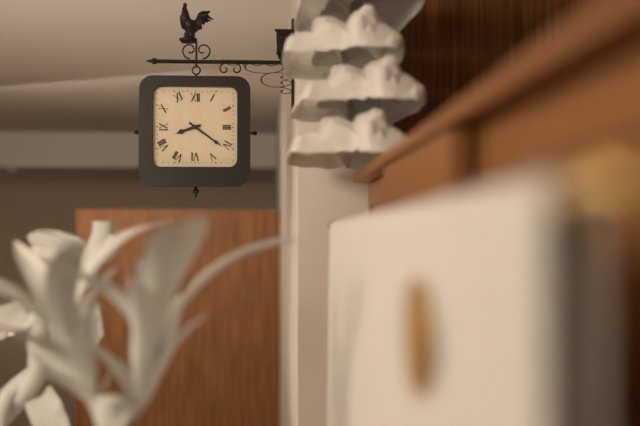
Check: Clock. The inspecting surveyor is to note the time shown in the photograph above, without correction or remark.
8:21
